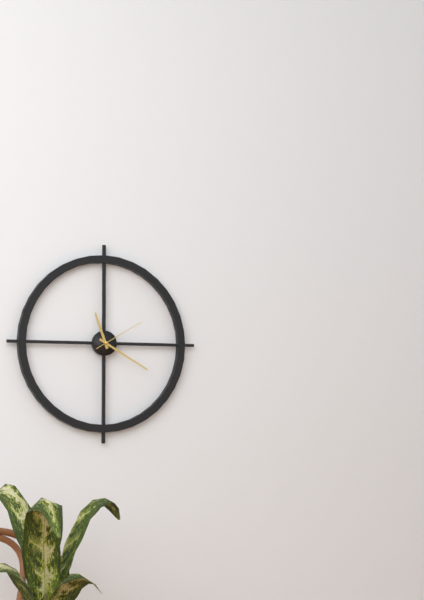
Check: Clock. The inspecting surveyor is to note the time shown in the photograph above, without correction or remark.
11:20:10
